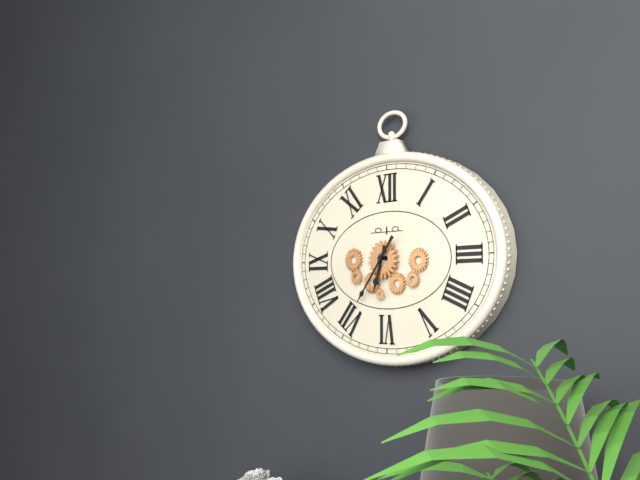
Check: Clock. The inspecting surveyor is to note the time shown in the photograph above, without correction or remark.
6:36
